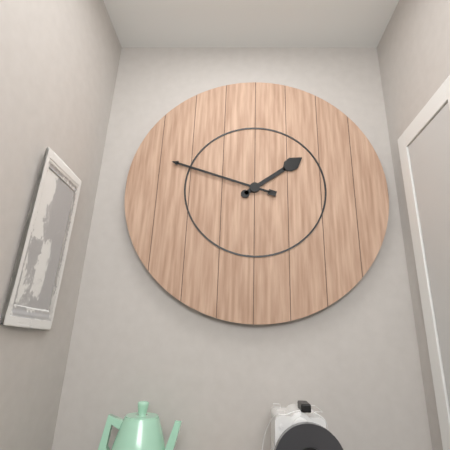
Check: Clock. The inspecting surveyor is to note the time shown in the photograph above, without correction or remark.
1:48
